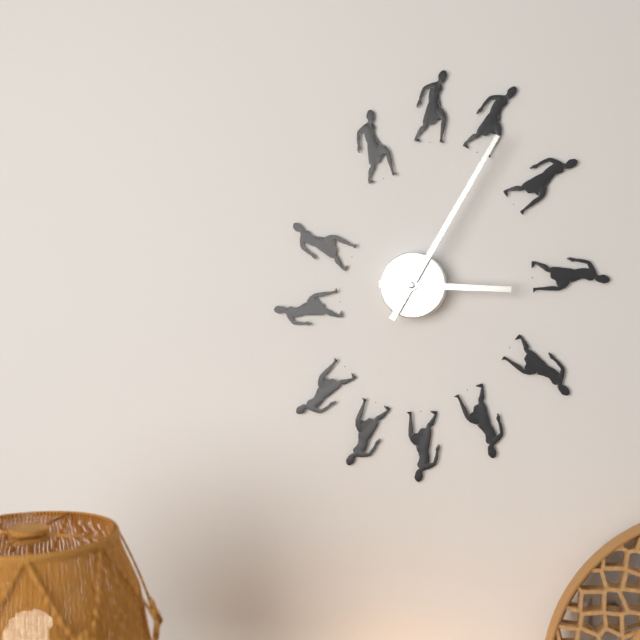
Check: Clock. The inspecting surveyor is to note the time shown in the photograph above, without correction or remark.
3:05
